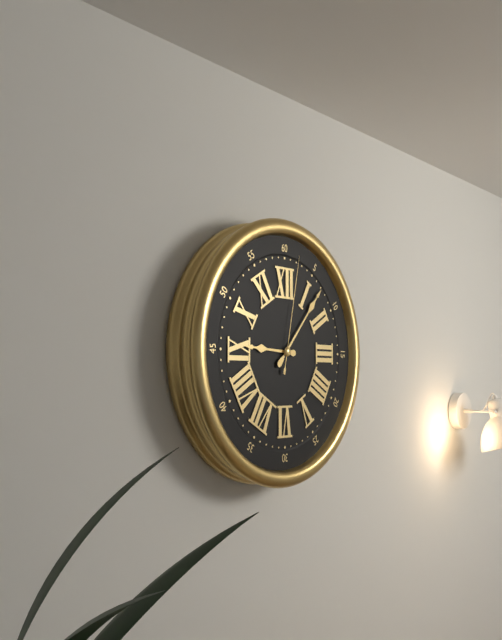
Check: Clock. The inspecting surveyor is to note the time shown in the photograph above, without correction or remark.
9:07:02
